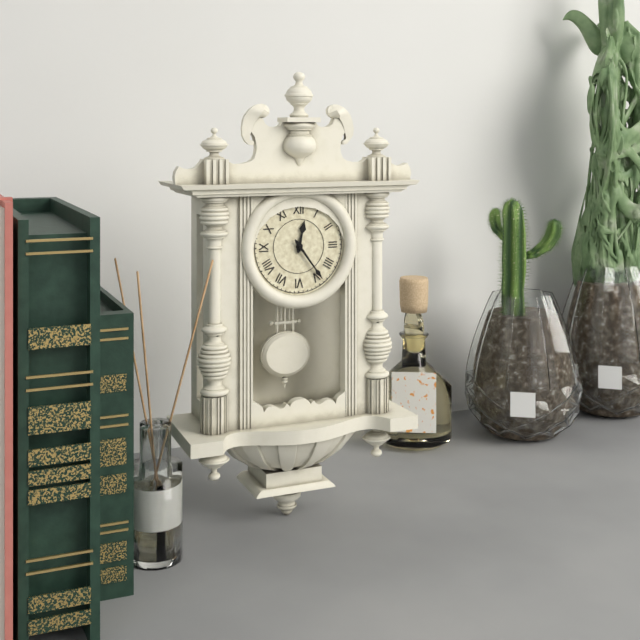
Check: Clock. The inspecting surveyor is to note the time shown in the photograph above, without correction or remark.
12:24
